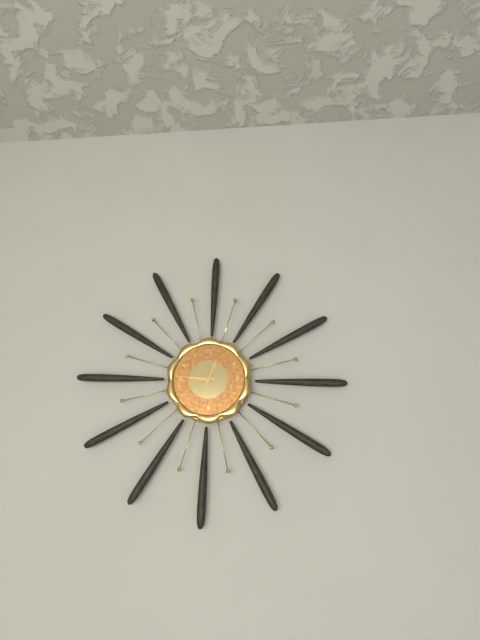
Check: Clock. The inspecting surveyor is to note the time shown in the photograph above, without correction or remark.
12:46
